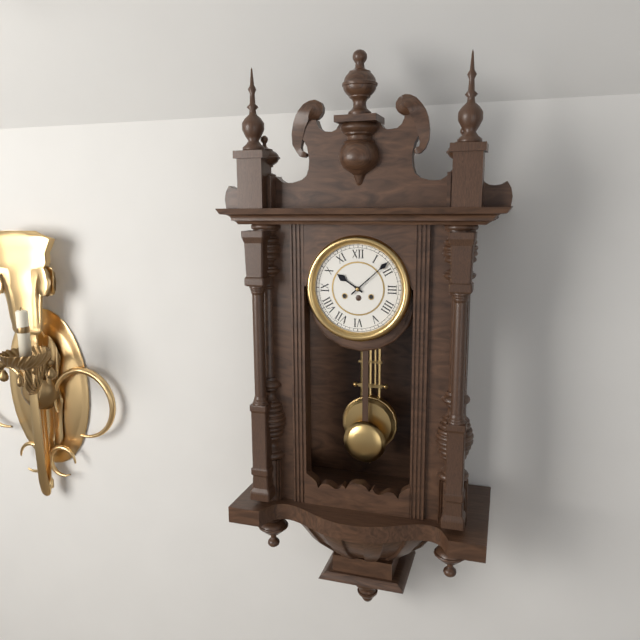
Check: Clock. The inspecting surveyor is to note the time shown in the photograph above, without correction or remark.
10:08
